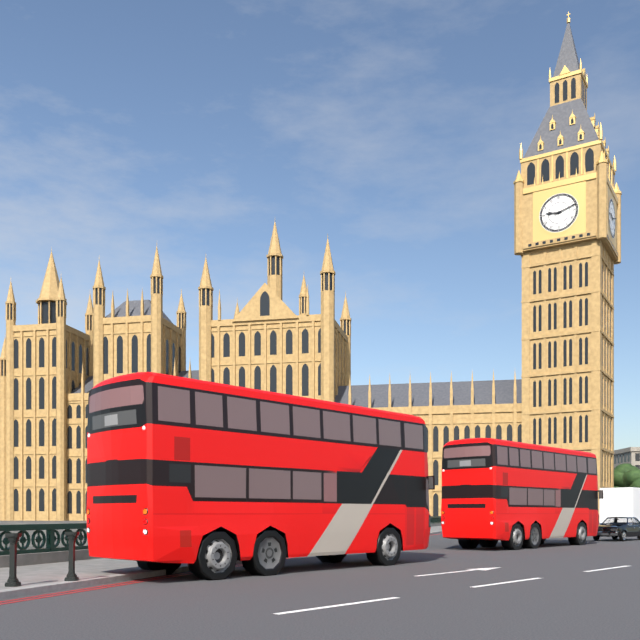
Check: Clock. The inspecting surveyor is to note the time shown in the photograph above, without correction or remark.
9:12
